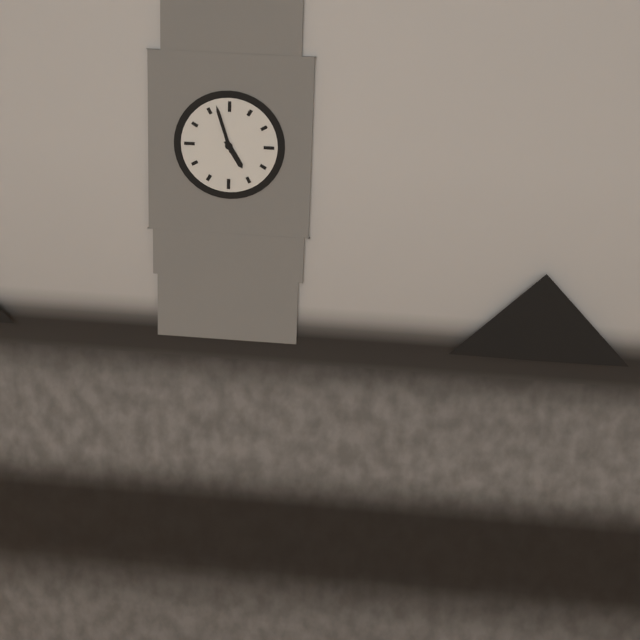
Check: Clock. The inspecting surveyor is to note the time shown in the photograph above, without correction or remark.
4:57
